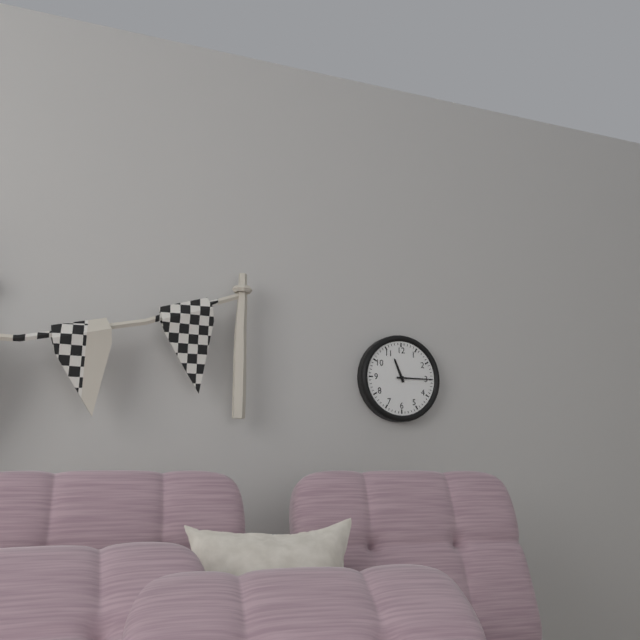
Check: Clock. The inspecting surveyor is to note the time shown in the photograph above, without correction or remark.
11:15
